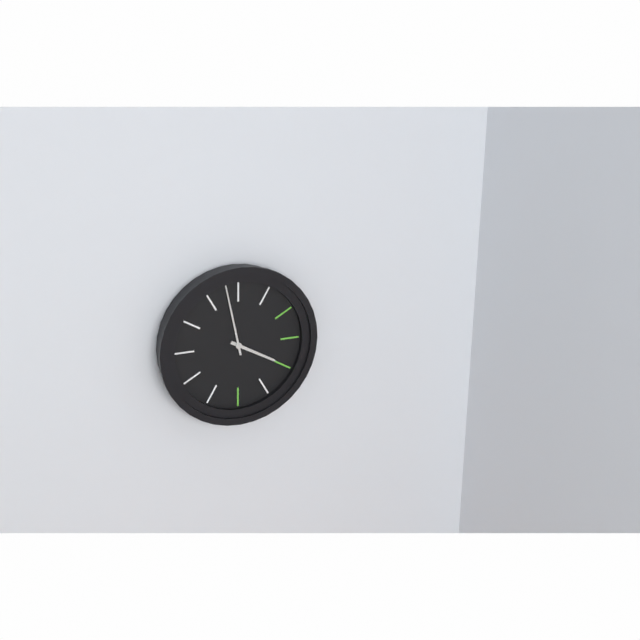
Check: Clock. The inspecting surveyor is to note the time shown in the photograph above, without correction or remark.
3:58
